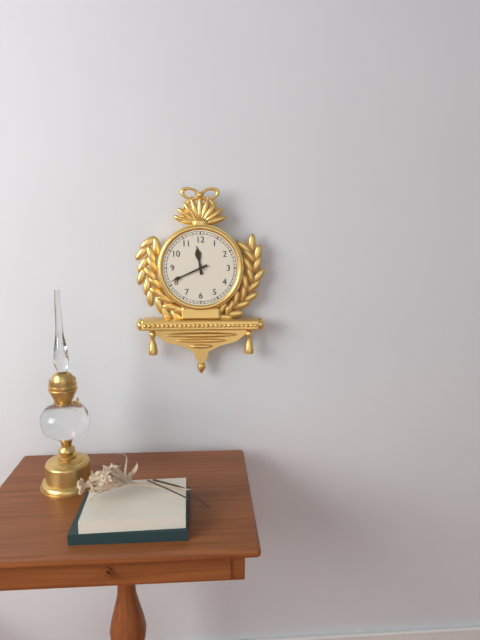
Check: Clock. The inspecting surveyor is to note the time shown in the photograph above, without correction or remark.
11:41
